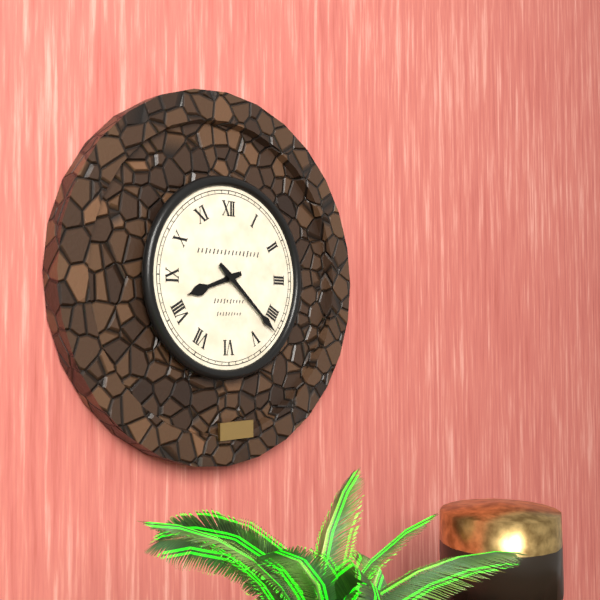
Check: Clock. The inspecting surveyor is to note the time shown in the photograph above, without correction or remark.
8:22
